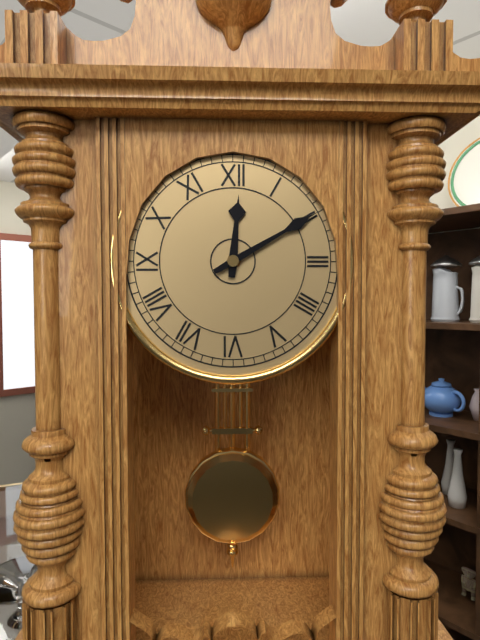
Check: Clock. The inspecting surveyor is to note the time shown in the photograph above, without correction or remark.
12:10
